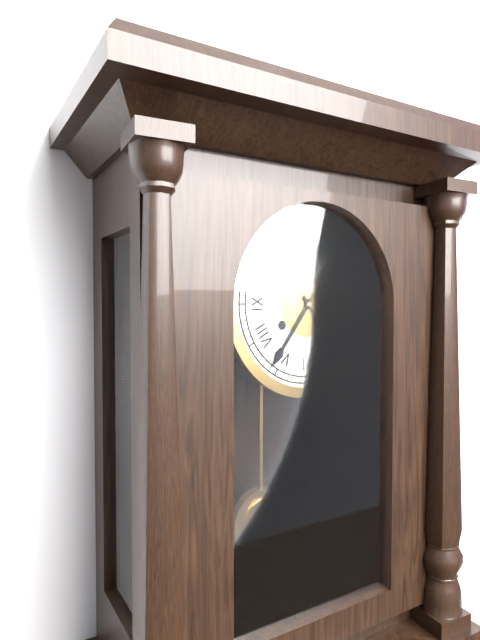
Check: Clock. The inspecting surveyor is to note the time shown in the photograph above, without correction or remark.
4:36
